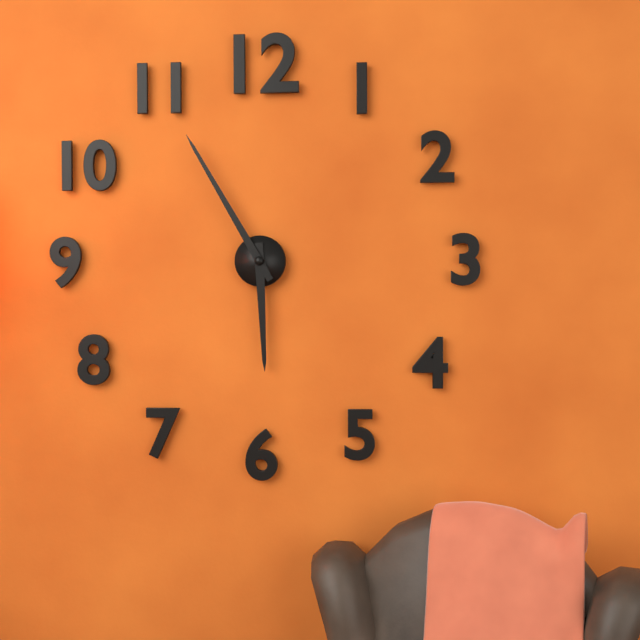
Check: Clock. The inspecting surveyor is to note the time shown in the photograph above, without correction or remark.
5:55
